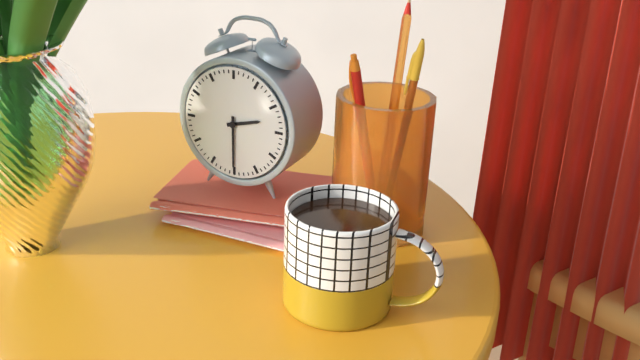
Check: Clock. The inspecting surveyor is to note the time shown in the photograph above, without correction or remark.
2:30
